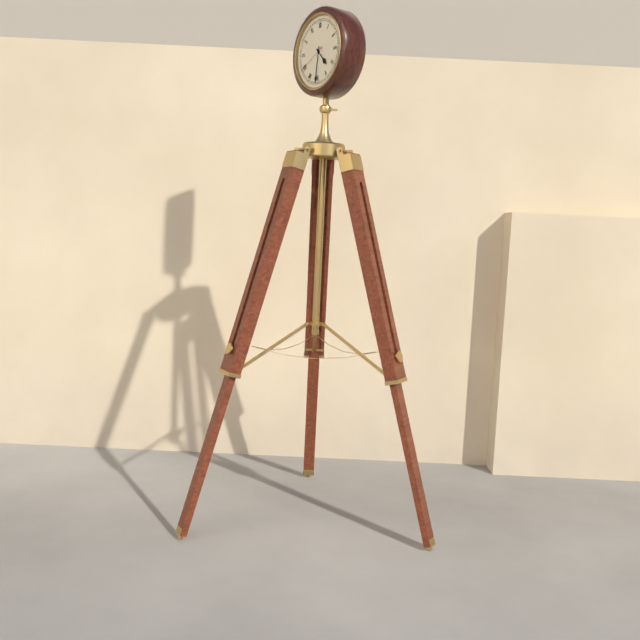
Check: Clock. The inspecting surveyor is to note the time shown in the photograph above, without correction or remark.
4:31
